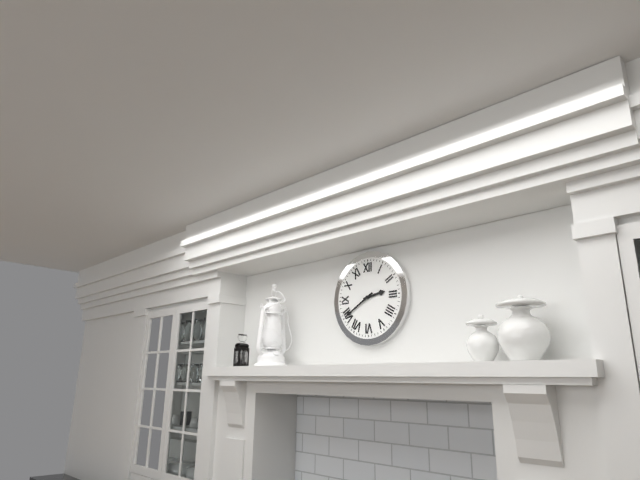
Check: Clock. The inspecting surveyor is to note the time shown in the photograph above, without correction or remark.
2:40
